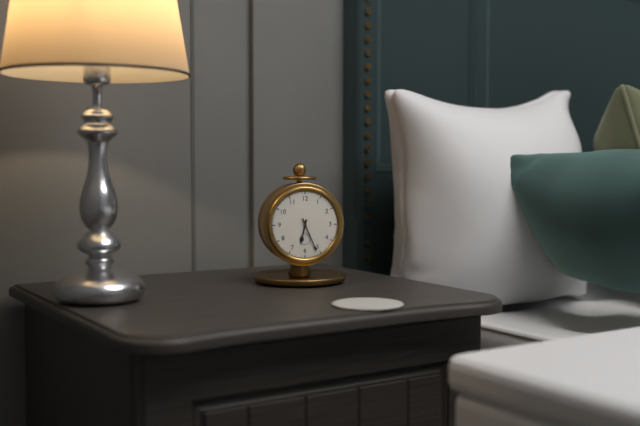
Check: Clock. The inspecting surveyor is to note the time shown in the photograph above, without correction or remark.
6:26
